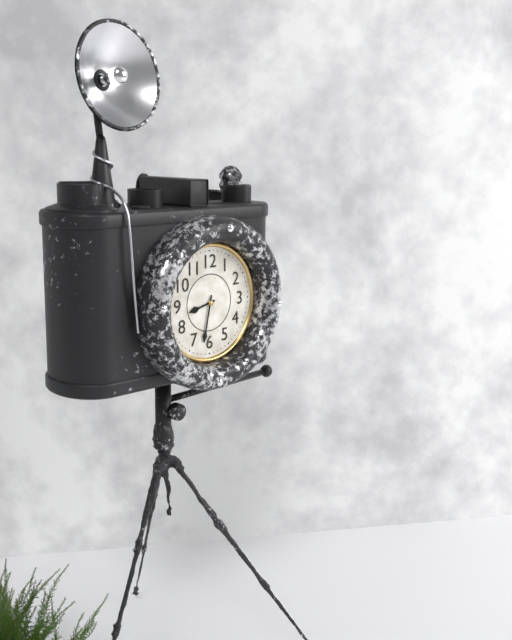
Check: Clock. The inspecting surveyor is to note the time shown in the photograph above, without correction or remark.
8:32
